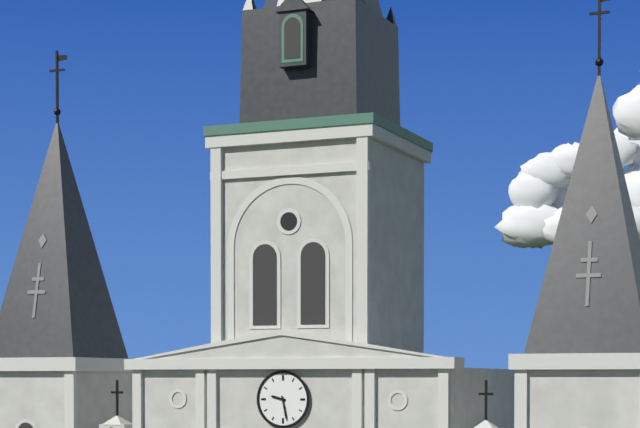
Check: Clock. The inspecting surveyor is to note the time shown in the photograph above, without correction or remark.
9:28
